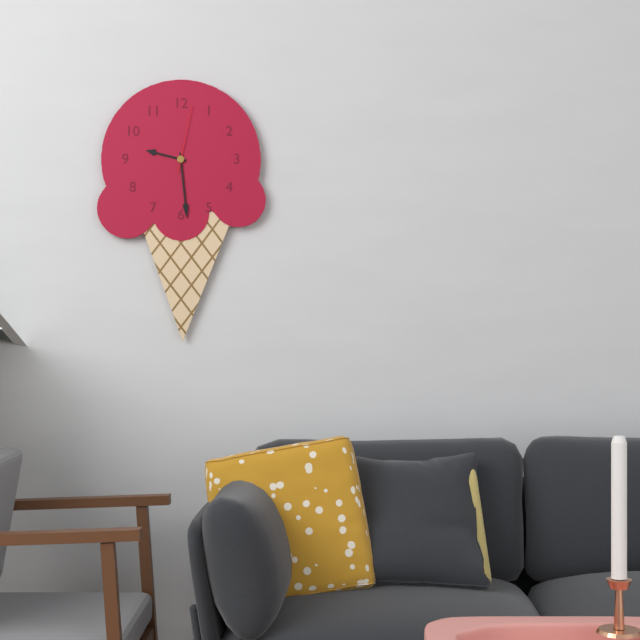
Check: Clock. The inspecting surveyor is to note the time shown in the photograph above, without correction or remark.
9:29:02
